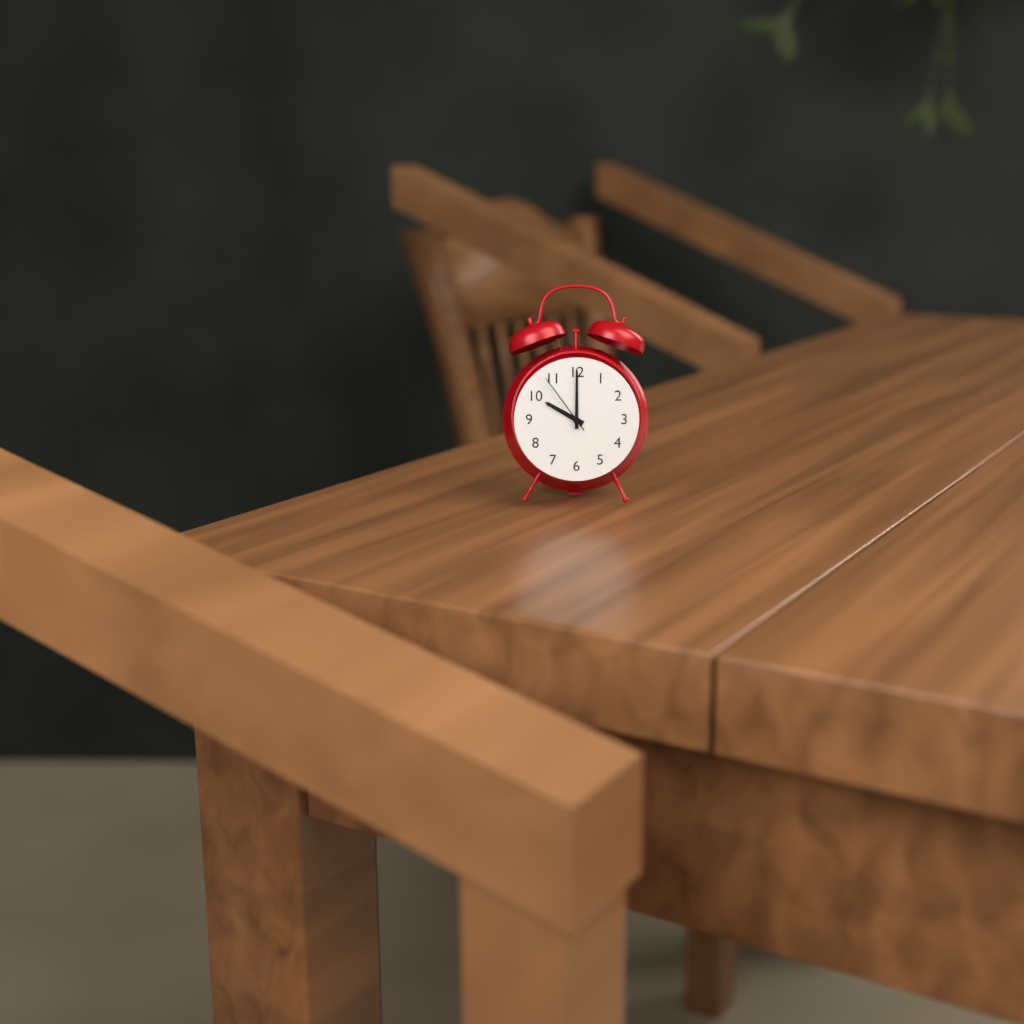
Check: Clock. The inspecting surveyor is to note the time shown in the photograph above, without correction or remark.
10:00:54
